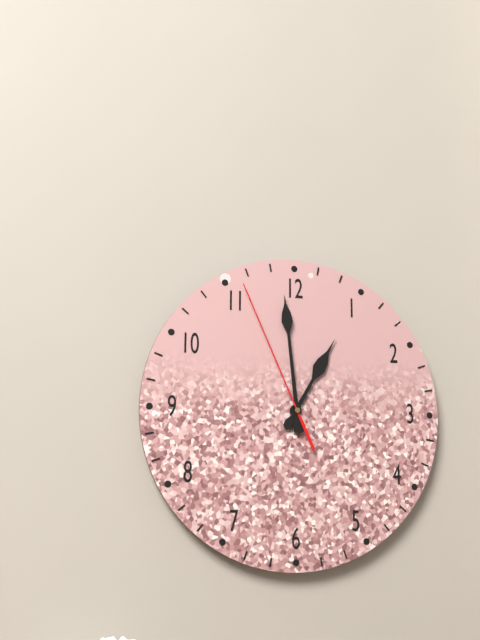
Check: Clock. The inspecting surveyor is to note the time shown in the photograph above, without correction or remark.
12:59:56
